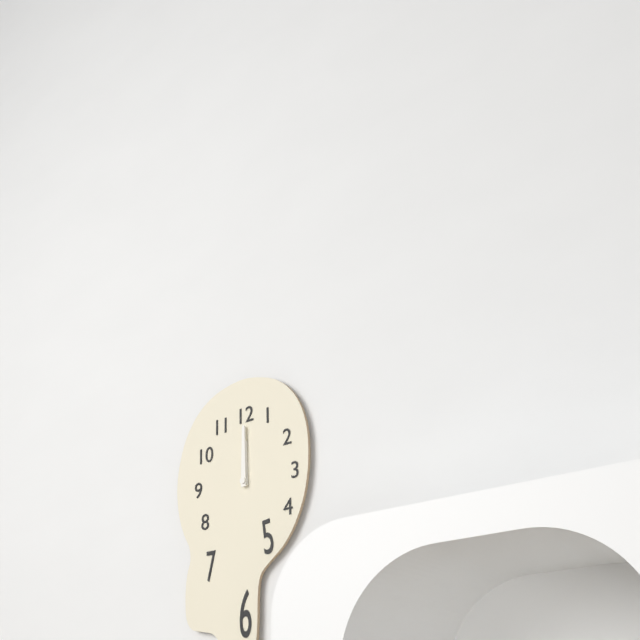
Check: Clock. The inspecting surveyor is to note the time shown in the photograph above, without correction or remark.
12:00
